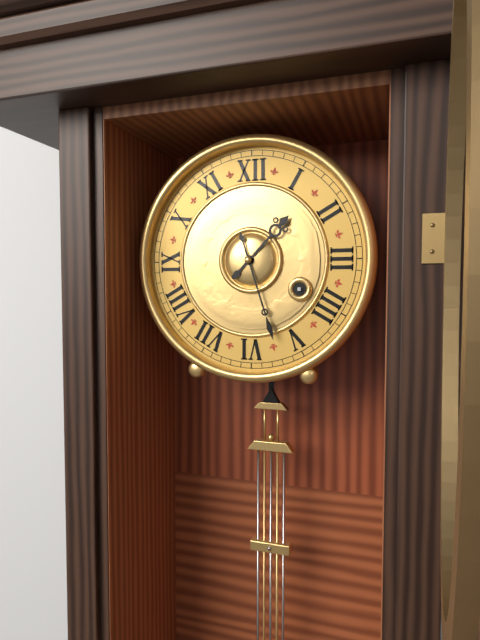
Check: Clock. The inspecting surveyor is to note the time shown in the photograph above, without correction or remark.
1:27
